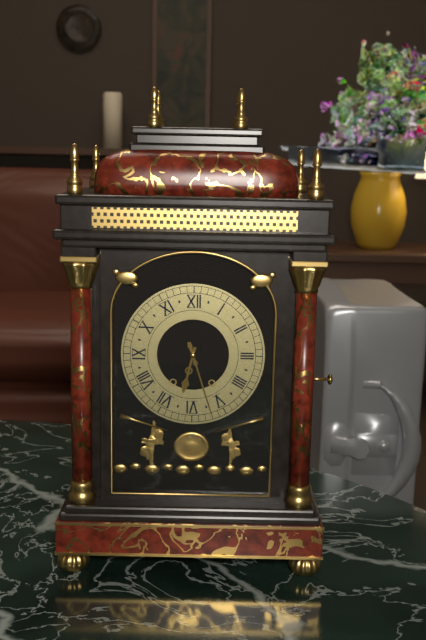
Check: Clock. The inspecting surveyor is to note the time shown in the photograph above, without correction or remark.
6:27
